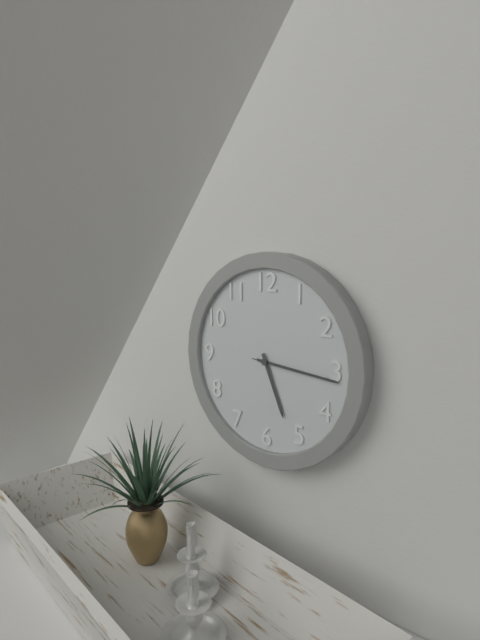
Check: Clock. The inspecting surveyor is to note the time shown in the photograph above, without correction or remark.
5:16:16
